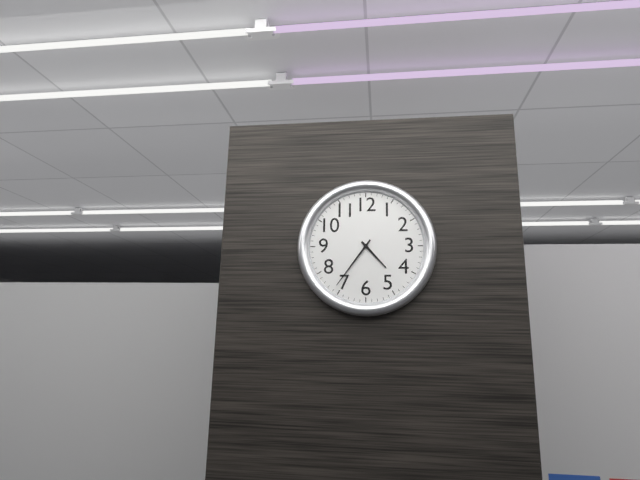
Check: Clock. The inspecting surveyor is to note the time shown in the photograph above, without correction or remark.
4:36
